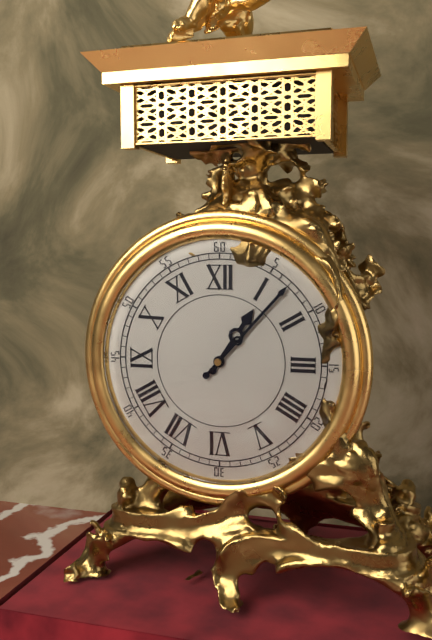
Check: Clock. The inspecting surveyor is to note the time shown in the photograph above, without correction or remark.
1:07
